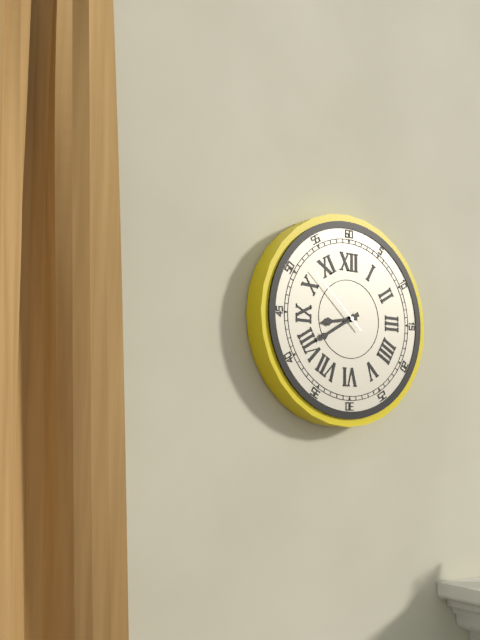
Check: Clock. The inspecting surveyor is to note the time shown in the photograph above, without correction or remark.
8:40:52
